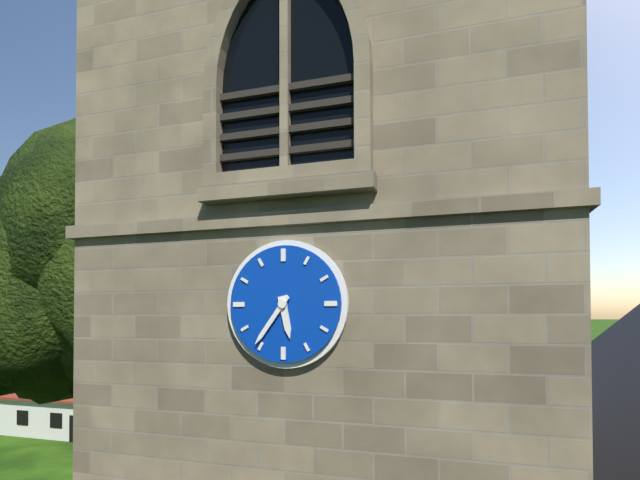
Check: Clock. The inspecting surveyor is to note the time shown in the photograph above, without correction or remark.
5:36
